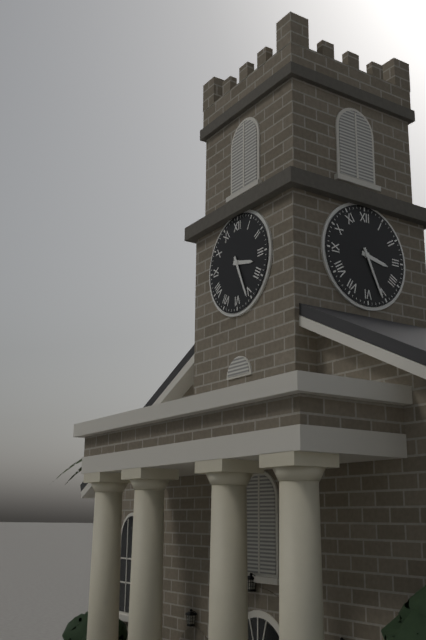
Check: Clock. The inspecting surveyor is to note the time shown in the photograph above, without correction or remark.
3:26
